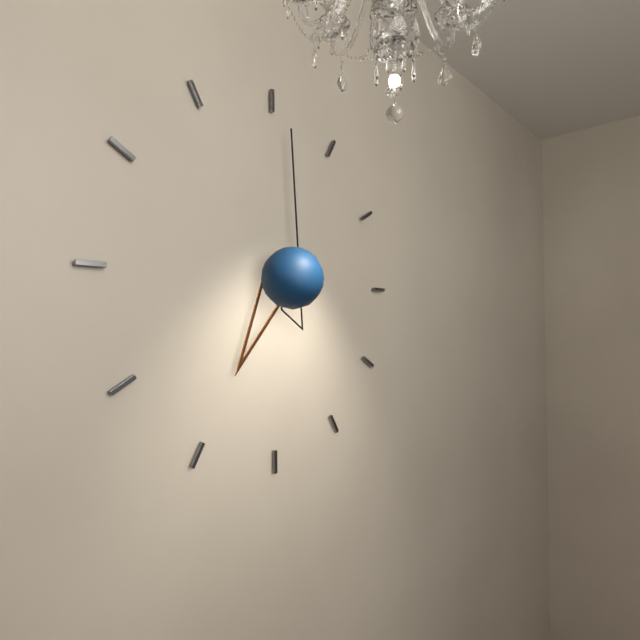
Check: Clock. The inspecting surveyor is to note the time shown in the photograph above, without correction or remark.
7:01
